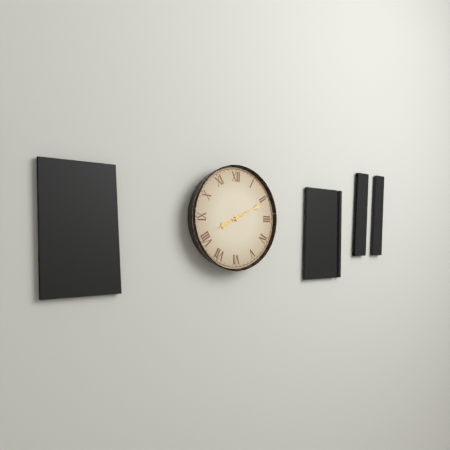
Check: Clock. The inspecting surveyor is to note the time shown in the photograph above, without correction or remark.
8:11
